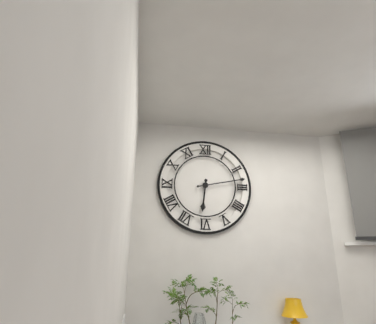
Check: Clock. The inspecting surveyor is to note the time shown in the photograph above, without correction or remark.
6:13
